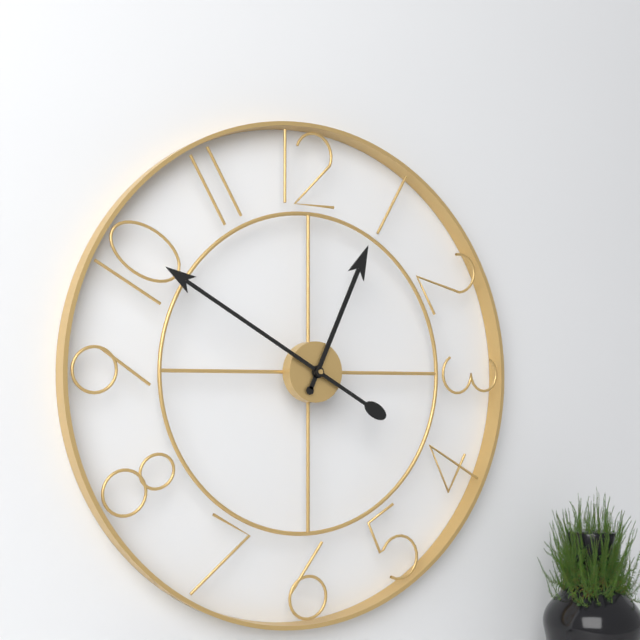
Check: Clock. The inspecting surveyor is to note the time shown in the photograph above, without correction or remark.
12:50
